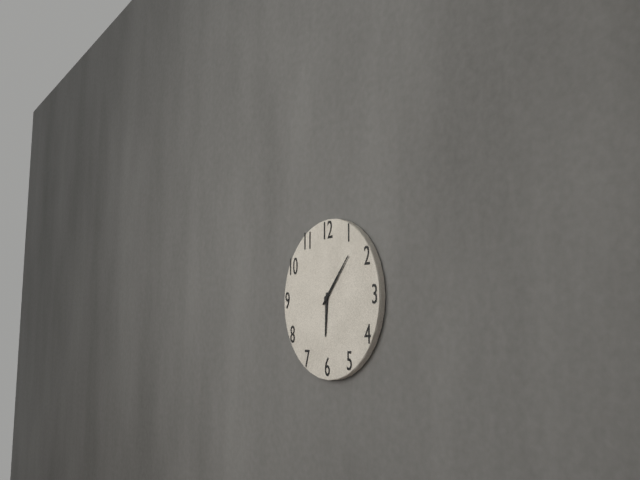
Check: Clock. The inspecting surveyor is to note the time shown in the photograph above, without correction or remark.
6:07
